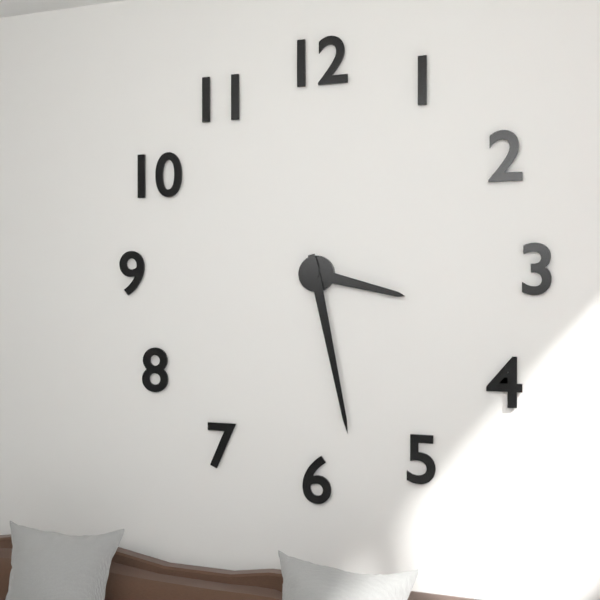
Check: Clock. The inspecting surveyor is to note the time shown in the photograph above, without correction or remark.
3:28
